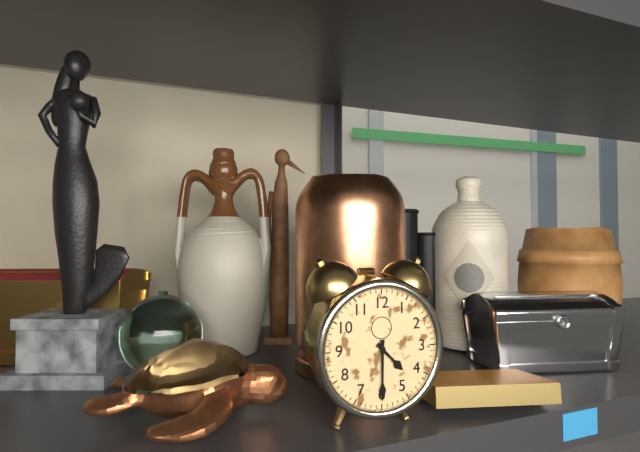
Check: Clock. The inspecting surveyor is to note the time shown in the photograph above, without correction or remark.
4:30
